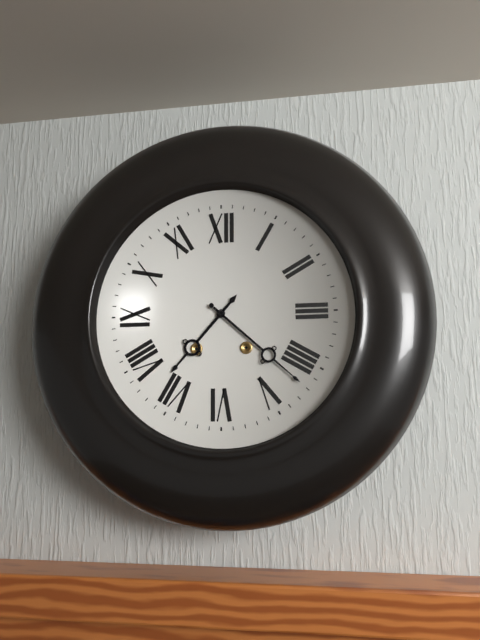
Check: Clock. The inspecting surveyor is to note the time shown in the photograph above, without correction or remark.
7:22
